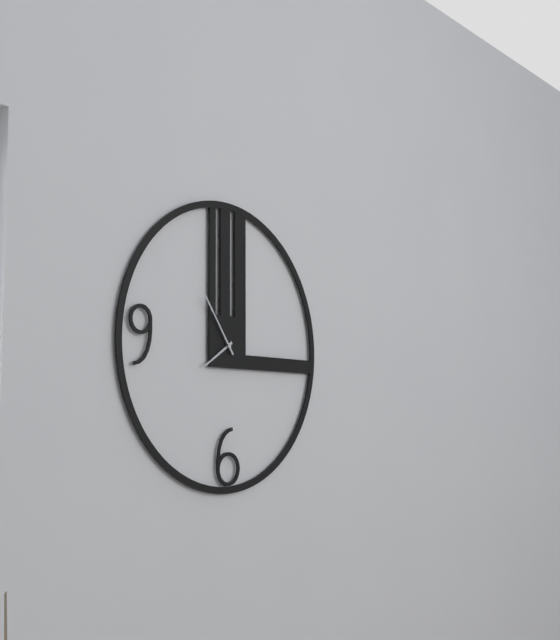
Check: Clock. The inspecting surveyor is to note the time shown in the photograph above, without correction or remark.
7:54
